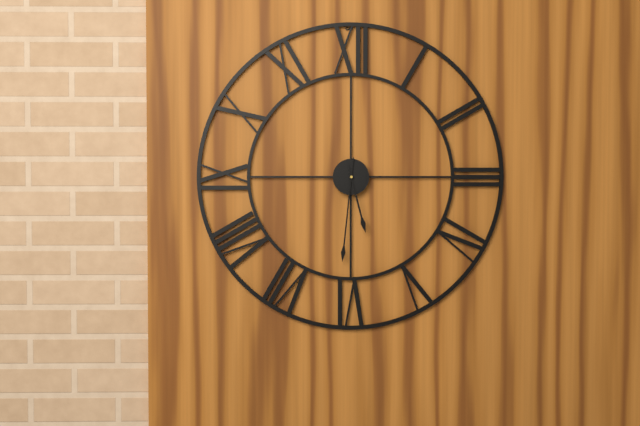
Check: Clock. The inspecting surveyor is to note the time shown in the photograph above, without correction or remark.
5:31
